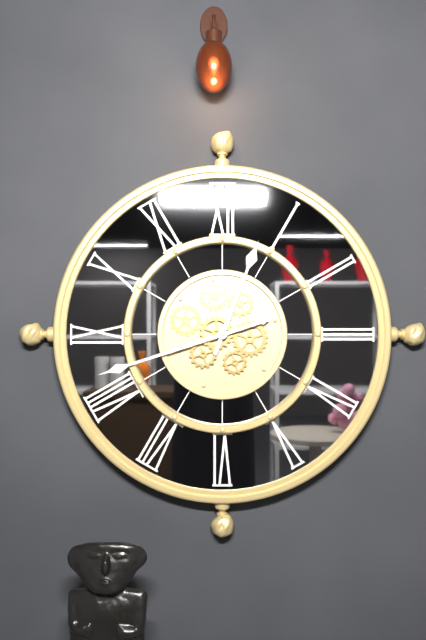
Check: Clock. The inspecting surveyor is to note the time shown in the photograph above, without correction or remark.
12:42
